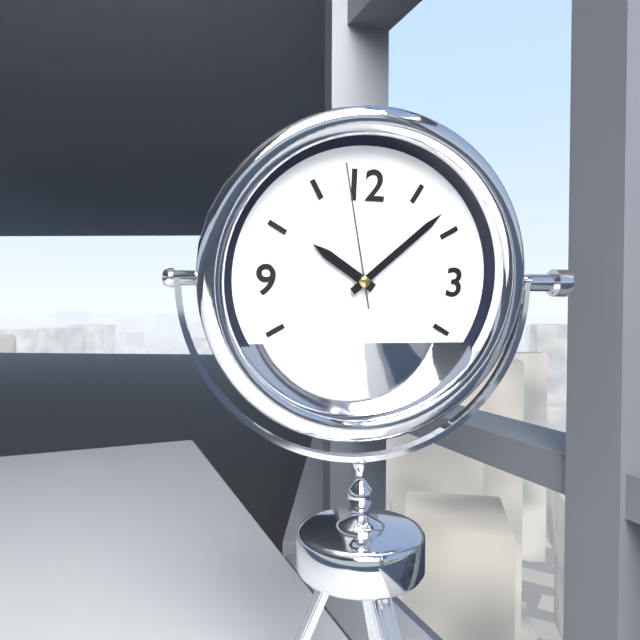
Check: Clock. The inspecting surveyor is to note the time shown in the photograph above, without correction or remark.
10:08:58
